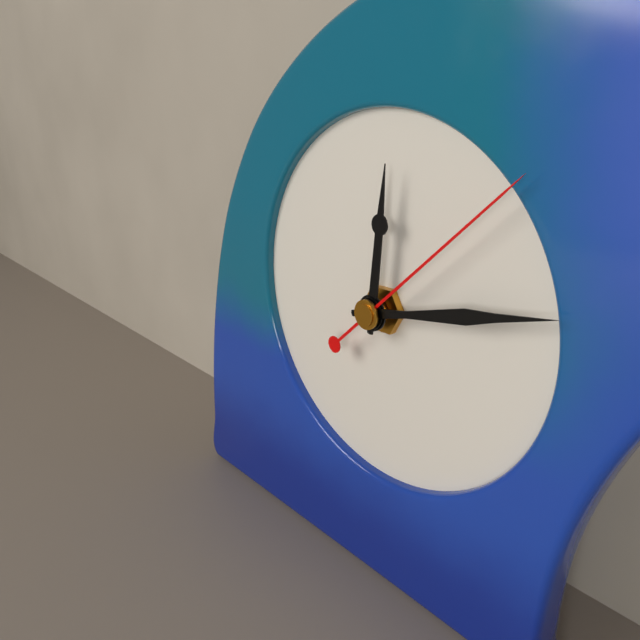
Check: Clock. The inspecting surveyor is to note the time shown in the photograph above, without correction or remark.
12:13:08
